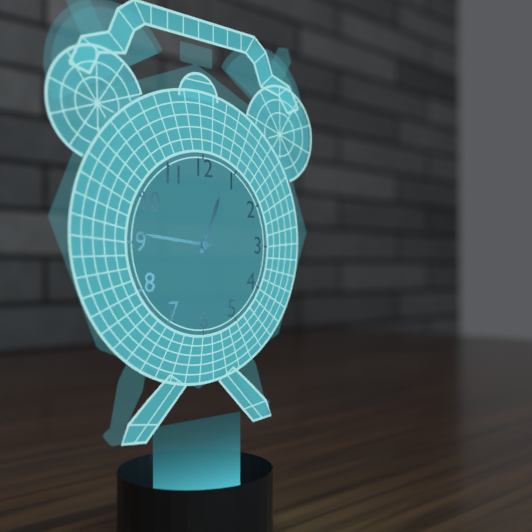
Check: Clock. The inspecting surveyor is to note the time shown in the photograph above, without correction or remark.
12:46
